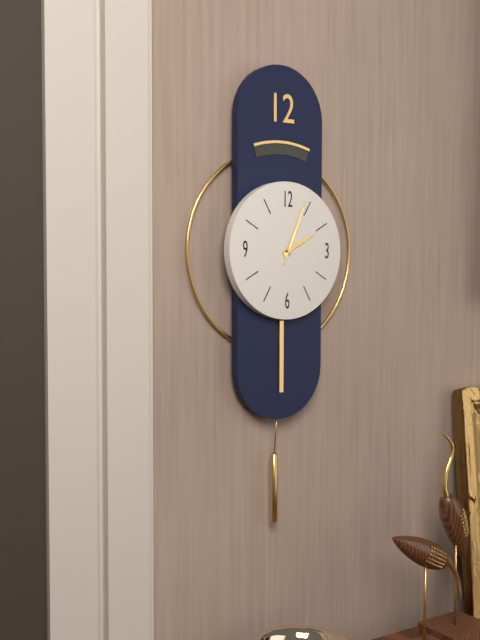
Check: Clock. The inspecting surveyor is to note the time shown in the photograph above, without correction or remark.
2:04:04
